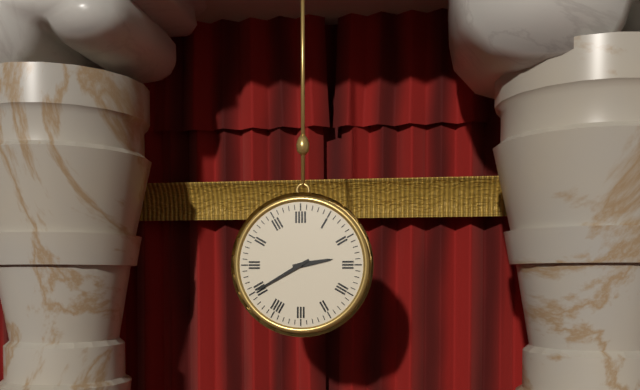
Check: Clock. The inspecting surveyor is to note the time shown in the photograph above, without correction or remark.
2:40
